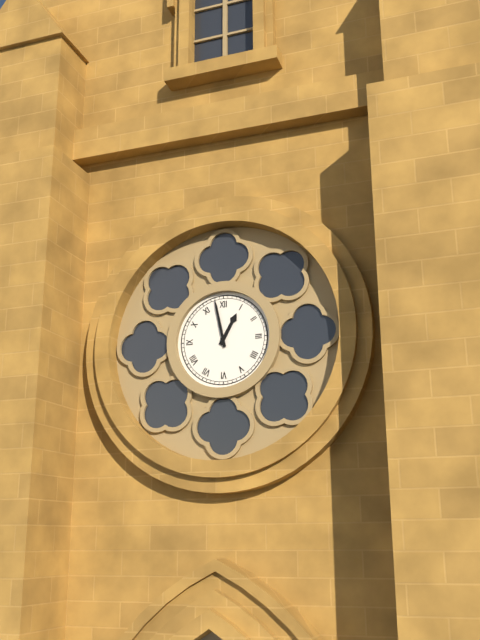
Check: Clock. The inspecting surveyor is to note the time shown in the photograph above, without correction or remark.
12:58
